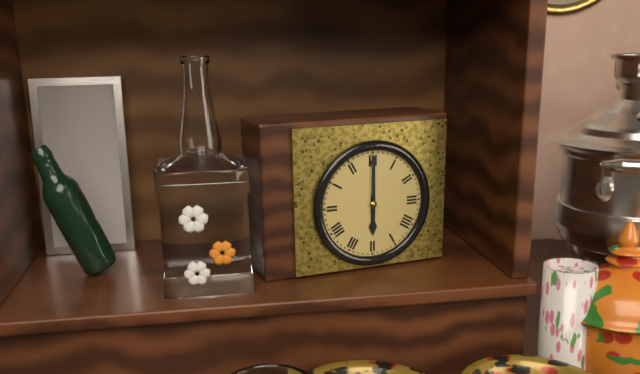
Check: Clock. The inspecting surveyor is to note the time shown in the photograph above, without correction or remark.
6:00
